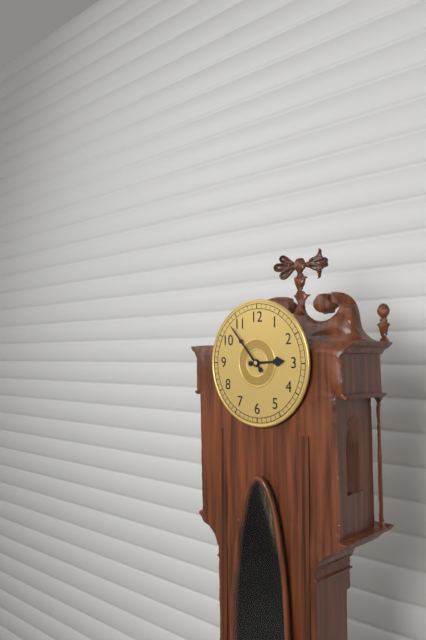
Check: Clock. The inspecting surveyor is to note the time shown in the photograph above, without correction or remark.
2:53
